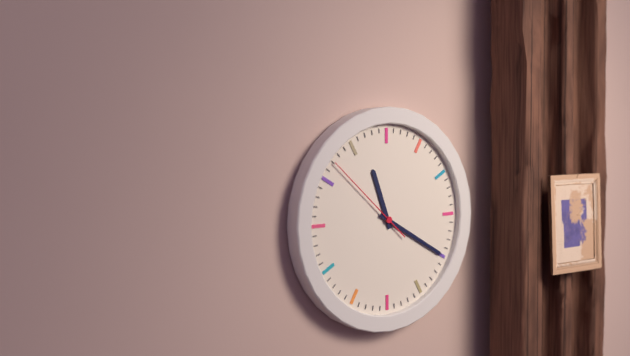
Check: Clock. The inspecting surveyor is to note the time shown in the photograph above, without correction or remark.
11:20:52
